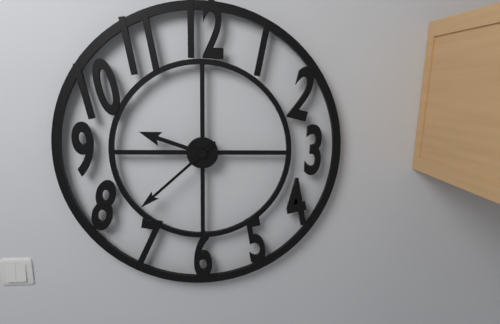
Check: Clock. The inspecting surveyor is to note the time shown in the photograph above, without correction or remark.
9:38
